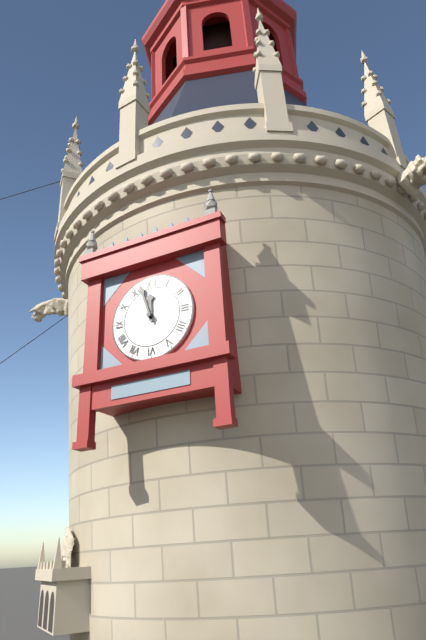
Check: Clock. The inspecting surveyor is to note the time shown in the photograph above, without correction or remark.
11:57
